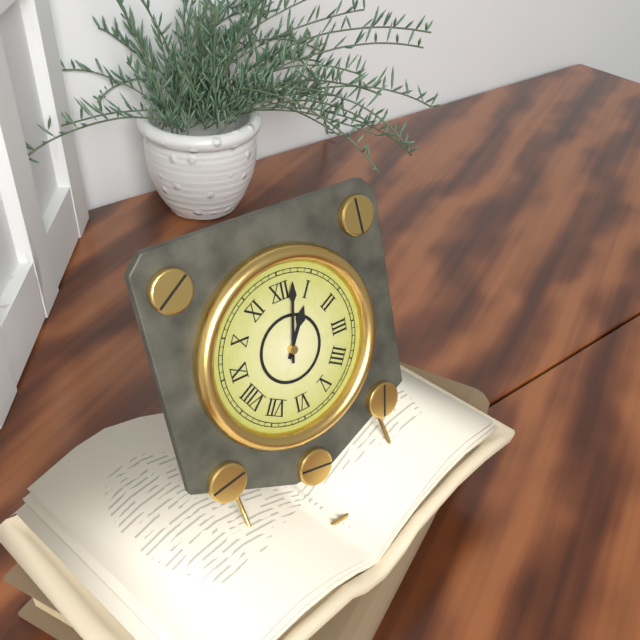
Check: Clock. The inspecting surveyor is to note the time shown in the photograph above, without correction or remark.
1:02
